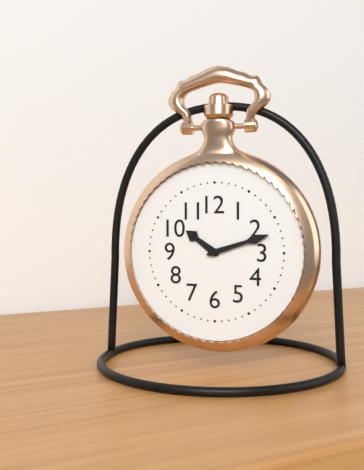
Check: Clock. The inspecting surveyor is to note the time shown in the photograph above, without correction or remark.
10:12
